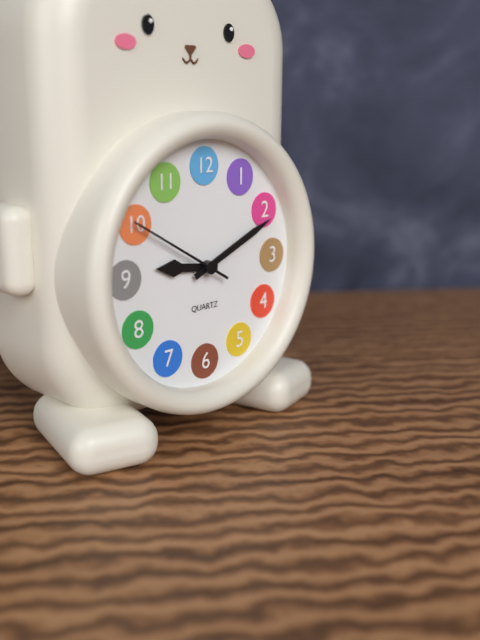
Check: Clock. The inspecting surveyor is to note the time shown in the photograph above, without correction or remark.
9:11:50
